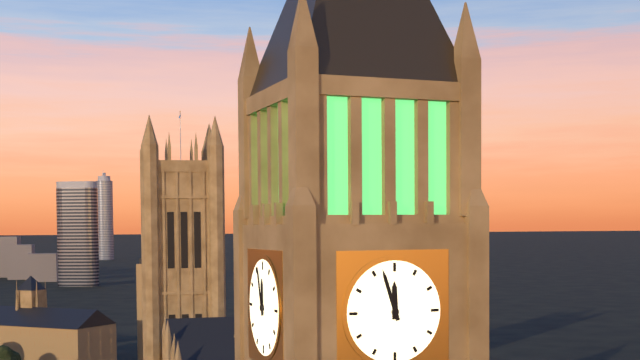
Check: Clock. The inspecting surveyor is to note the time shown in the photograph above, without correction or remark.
11:57
